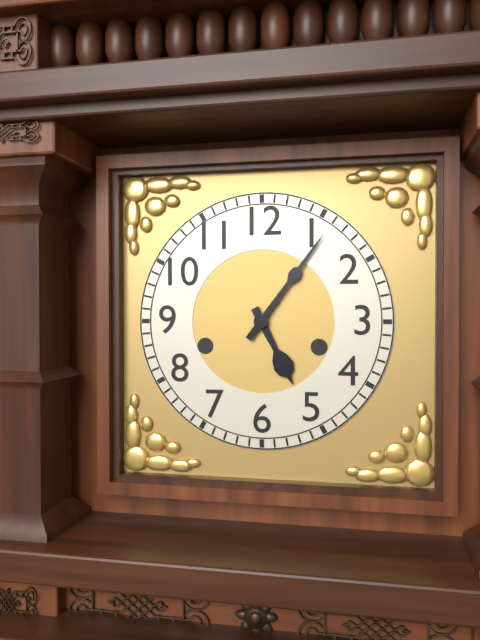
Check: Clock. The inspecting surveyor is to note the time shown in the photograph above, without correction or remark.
5:06
